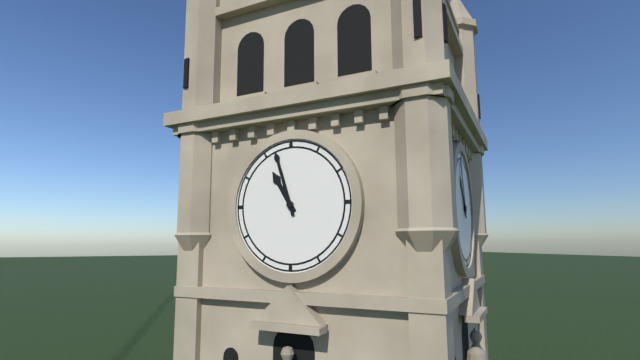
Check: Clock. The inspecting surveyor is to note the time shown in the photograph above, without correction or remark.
10:57
